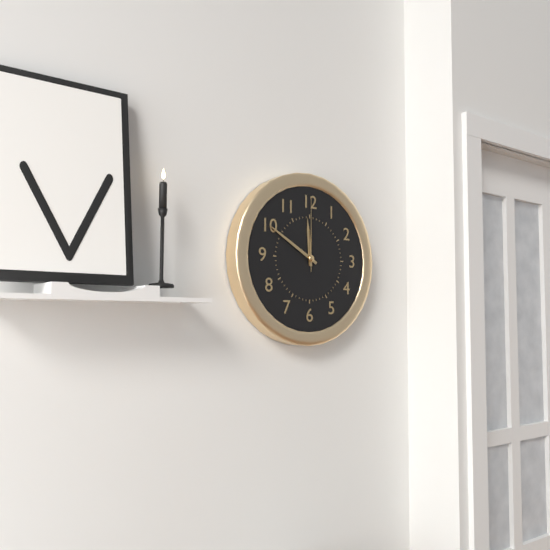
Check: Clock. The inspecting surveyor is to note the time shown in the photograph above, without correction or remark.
11:50:00
